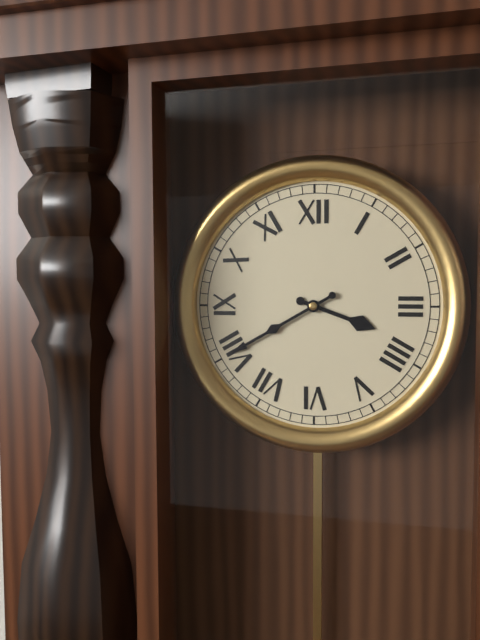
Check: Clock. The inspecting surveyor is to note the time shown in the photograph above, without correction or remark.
3:40
